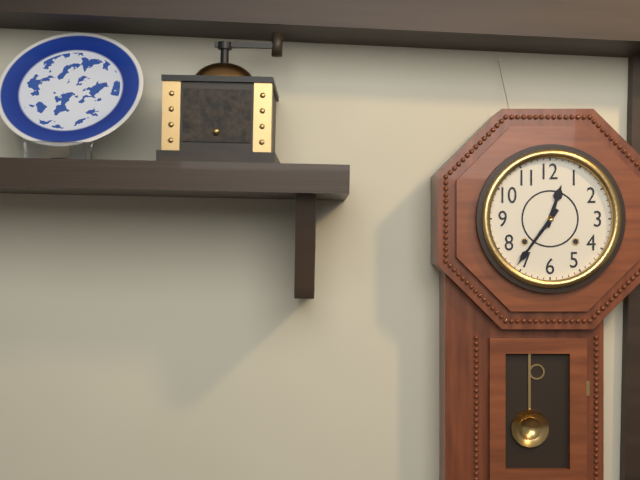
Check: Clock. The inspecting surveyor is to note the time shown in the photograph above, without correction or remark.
12:36
